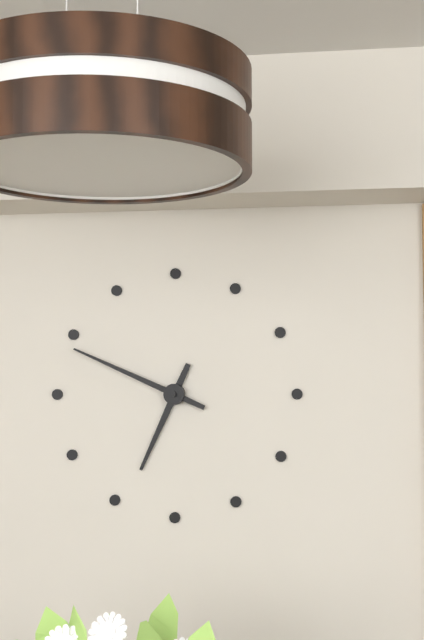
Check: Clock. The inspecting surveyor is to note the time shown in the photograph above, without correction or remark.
6:49
